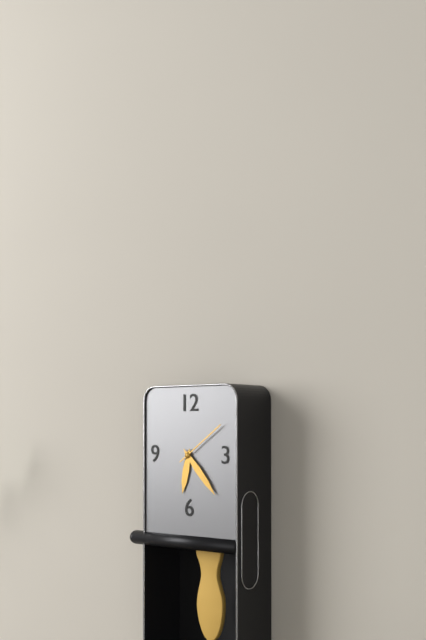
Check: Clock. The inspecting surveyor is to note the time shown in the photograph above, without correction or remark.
6:23
